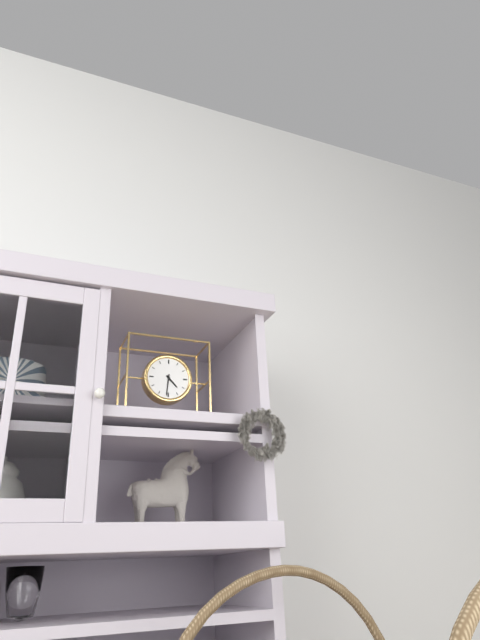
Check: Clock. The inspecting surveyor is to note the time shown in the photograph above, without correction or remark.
4:31
